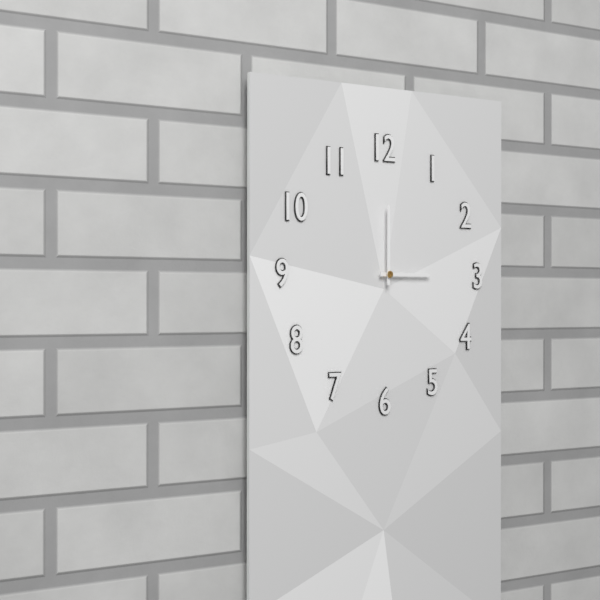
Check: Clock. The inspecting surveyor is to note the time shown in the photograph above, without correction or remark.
3:00
